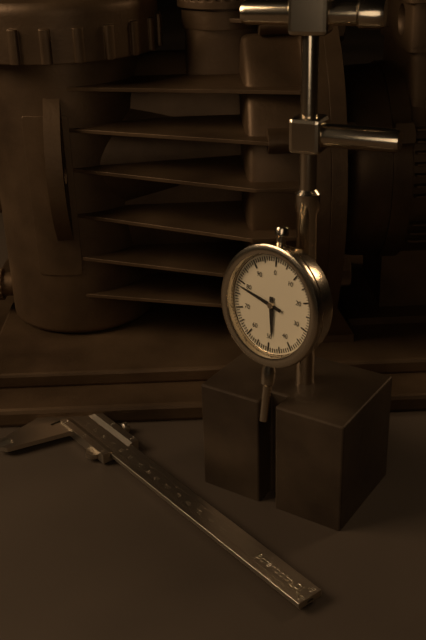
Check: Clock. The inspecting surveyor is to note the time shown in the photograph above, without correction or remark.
5:47
